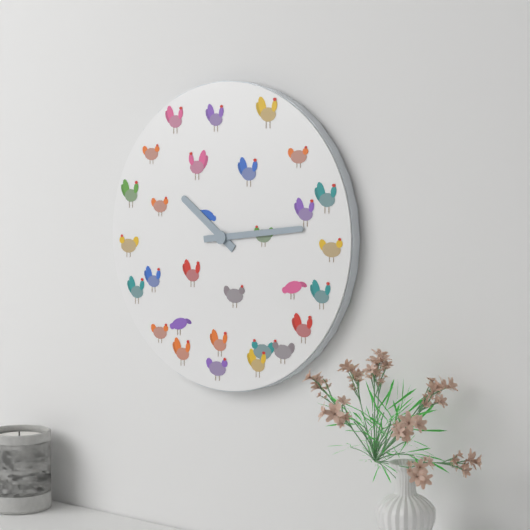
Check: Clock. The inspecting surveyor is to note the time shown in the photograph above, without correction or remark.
10:14
